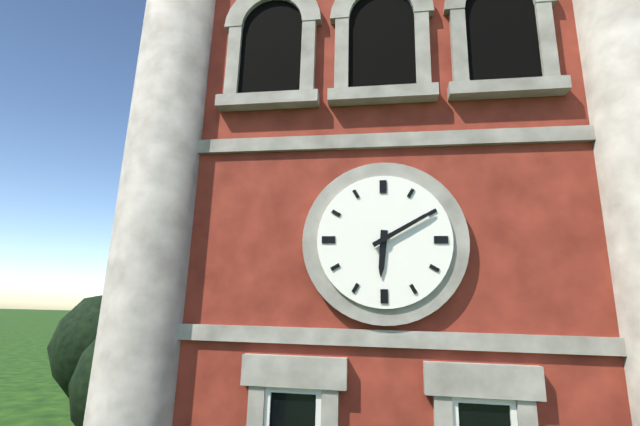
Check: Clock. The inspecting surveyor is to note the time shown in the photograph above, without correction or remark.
6:10
